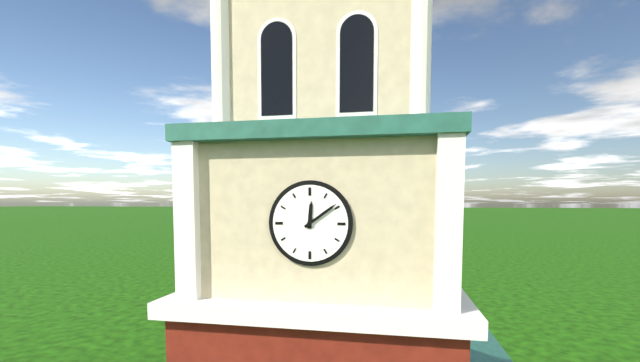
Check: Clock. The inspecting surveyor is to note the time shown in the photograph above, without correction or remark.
12:09
